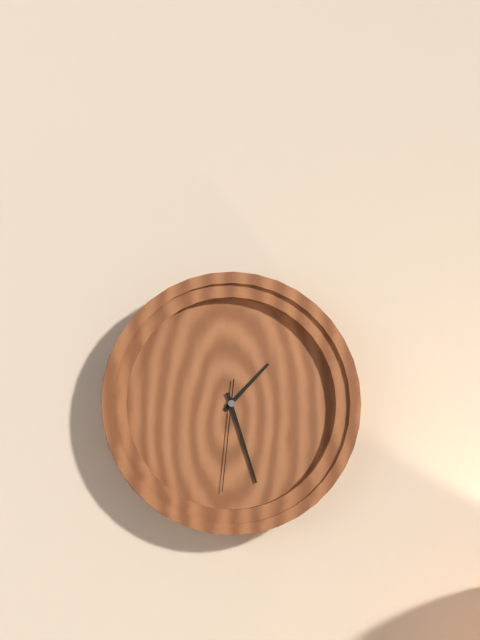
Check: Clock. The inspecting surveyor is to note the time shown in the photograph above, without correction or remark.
1:27:31
